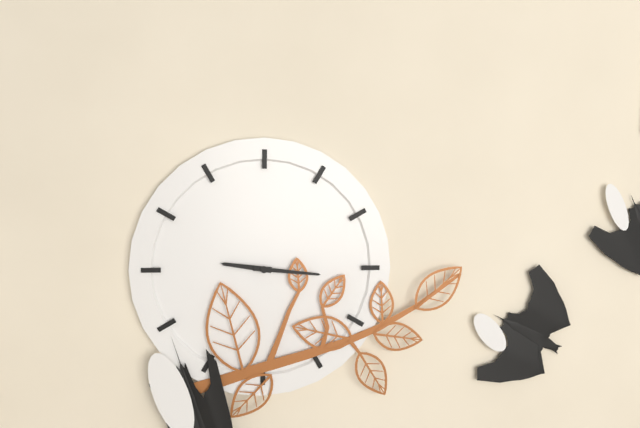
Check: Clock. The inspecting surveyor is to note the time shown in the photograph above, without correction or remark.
9:16
